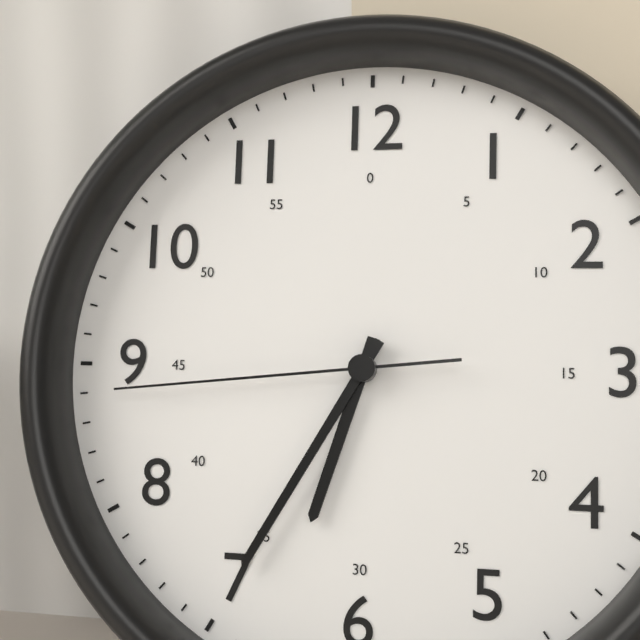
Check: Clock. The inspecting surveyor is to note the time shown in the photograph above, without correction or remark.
6:35:44
